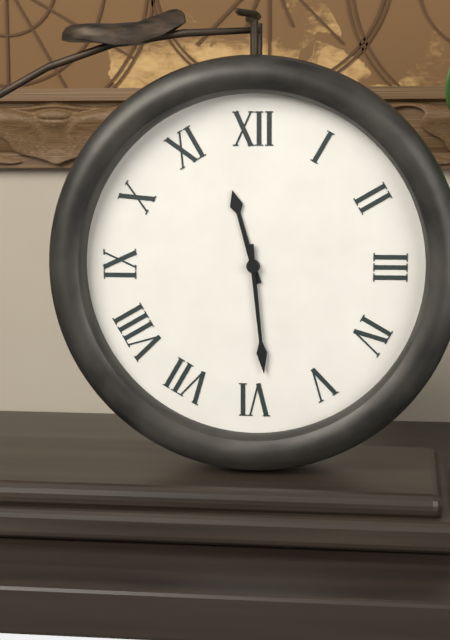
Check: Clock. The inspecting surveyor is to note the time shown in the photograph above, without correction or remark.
11:29
